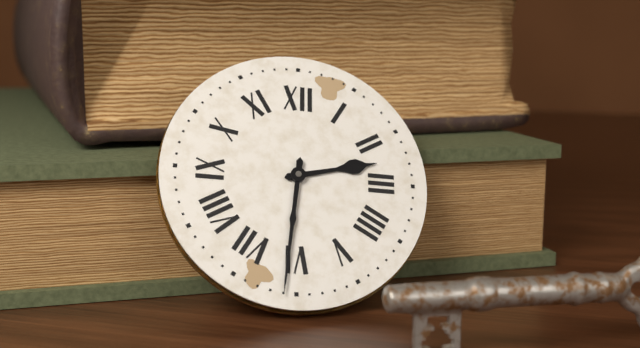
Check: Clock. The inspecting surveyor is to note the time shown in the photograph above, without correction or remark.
2:31
